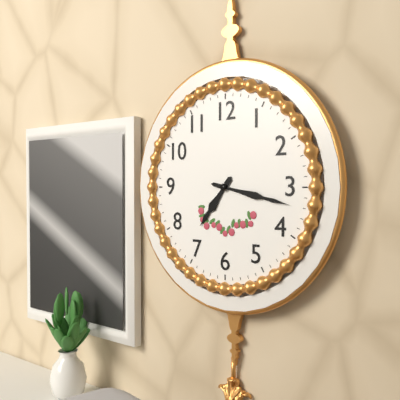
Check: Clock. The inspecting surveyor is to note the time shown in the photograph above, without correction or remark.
7:17
